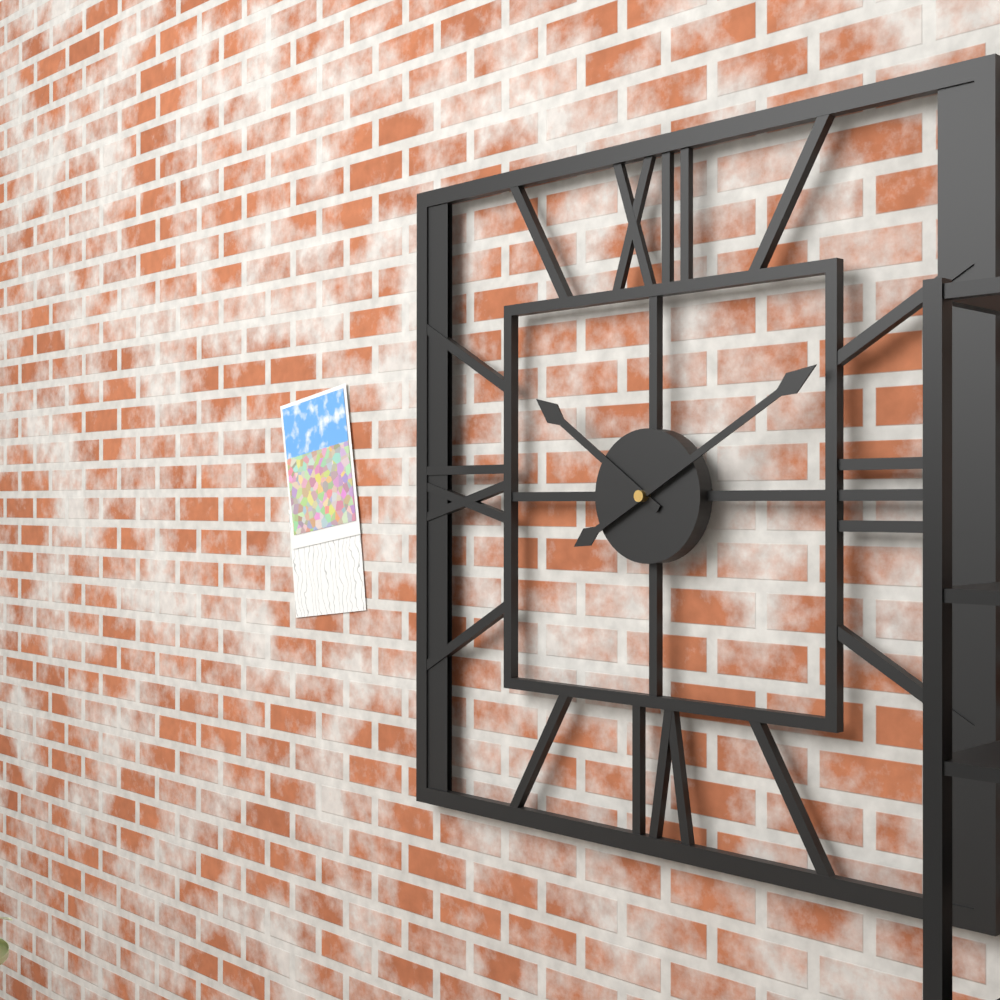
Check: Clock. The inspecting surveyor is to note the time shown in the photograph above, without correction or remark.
10:10
